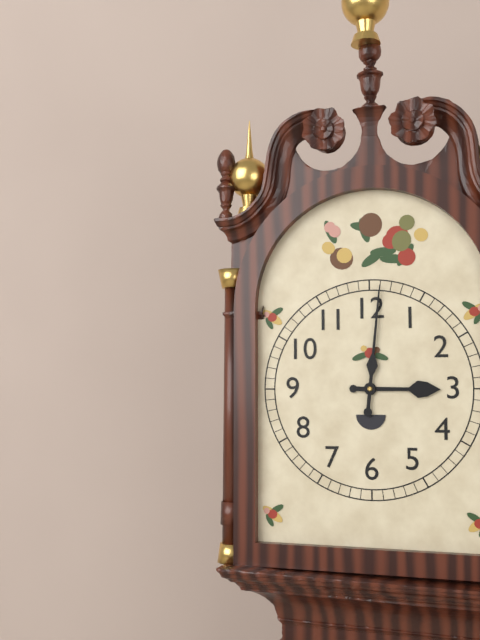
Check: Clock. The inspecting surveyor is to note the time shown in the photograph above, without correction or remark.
3:01
